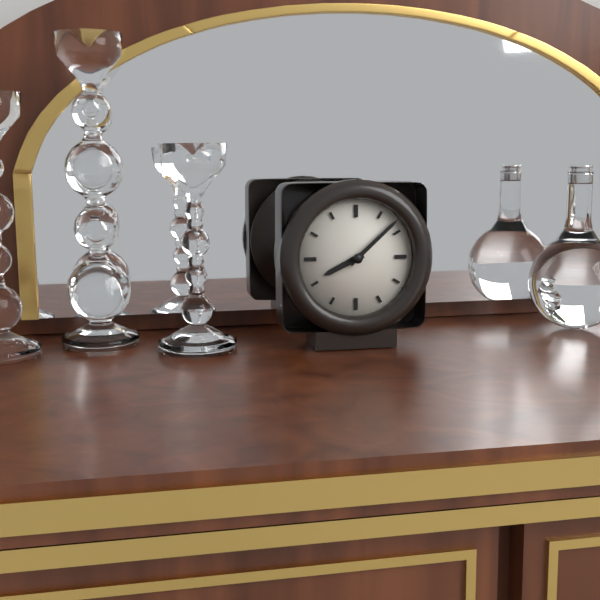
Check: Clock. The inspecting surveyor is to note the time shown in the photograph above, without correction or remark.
8:08
